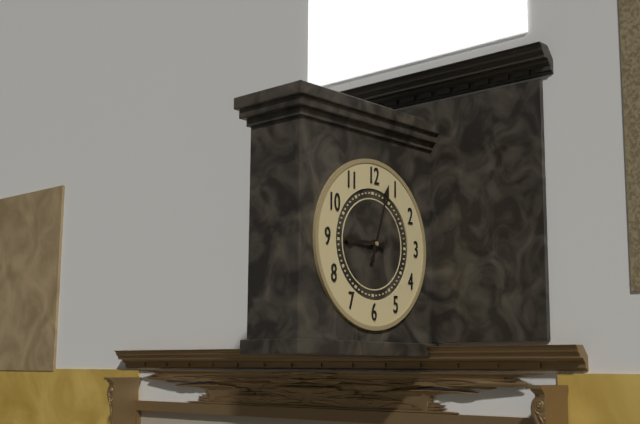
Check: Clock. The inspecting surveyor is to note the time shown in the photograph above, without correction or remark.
9:03
